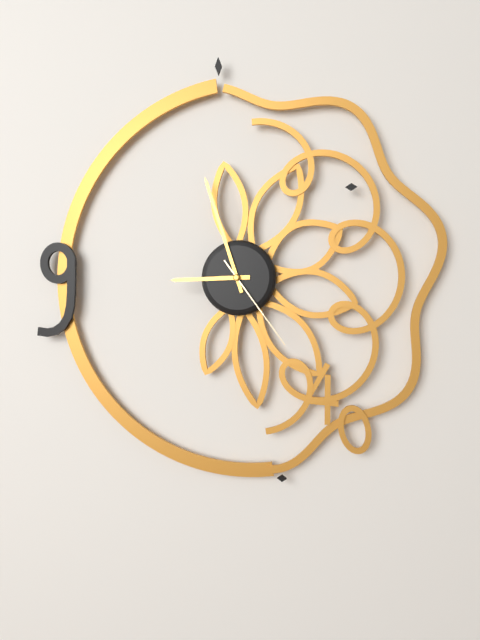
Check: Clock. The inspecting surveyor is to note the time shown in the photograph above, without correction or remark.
8:57:24
